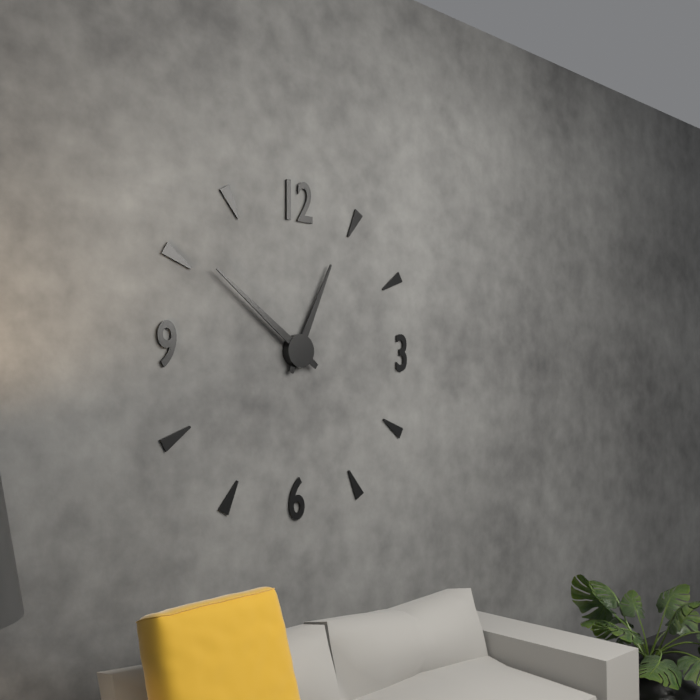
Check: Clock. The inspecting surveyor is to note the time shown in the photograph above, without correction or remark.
12:51
